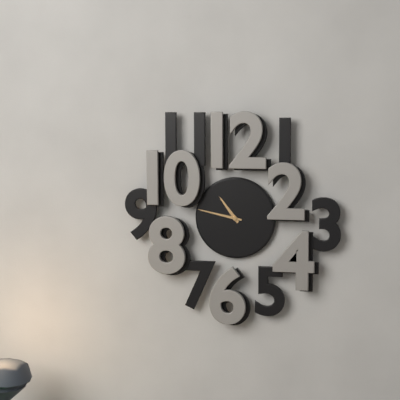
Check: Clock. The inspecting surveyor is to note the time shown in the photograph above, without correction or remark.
10:47
